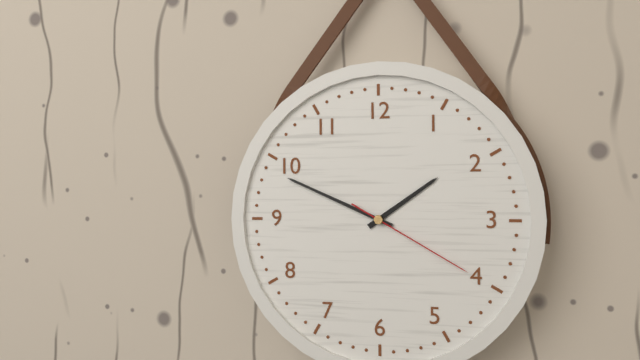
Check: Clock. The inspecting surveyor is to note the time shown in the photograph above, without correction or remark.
1:49:20
